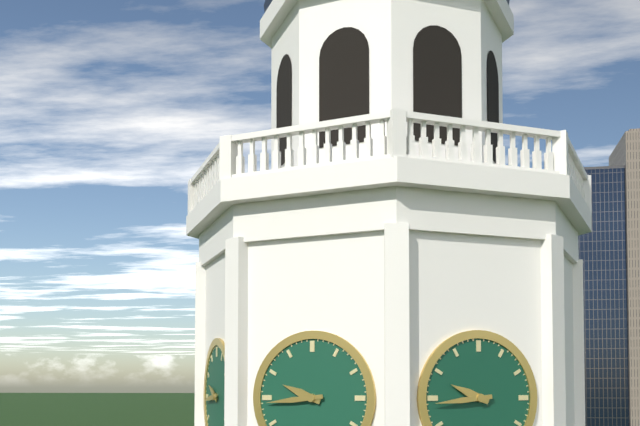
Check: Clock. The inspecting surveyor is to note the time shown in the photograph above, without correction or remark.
9:44
